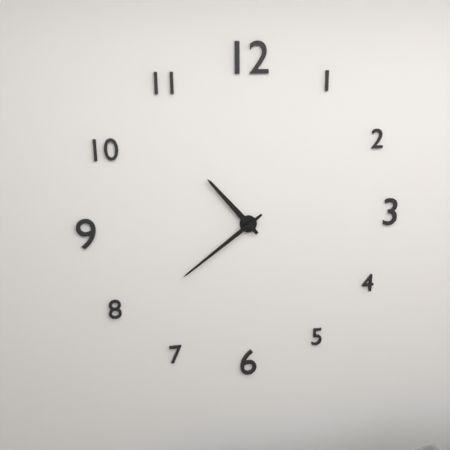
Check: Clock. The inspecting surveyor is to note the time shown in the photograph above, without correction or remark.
10:39
